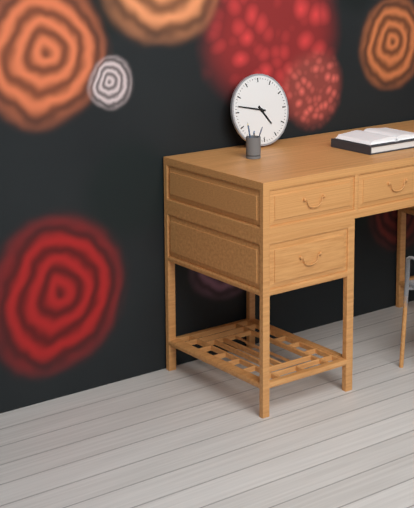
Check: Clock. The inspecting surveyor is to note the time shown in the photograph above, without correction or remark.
4:47
